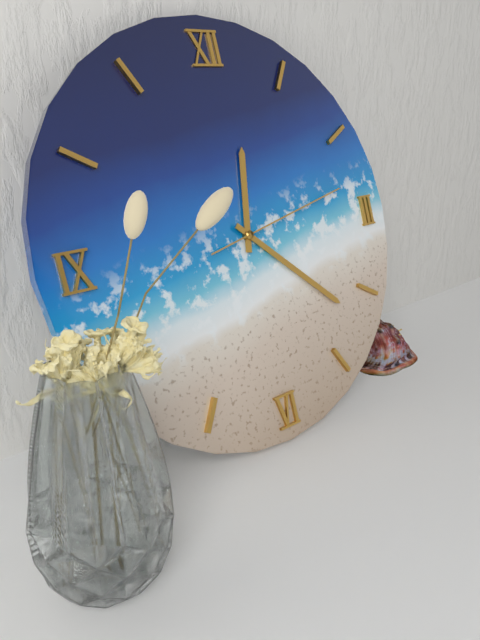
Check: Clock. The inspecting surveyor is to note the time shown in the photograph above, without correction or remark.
12:22:13
